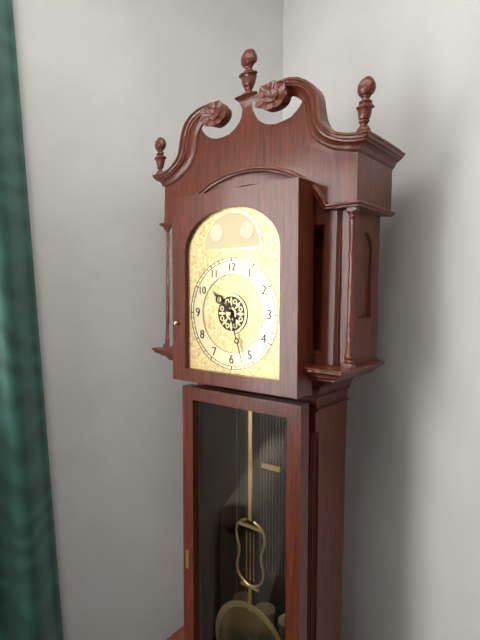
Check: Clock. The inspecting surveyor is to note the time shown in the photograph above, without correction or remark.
10:27
